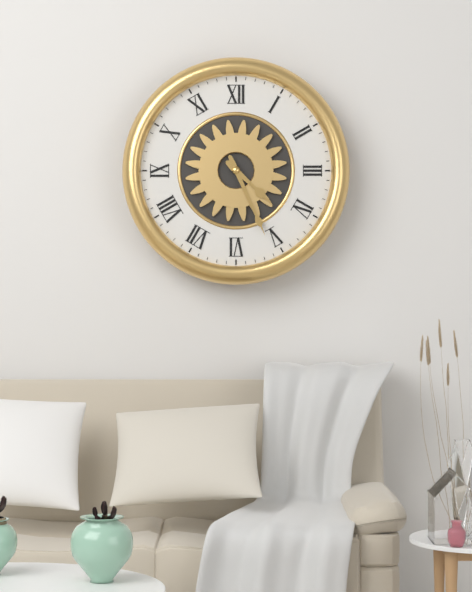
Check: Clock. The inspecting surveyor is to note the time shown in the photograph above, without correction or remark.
4:26
